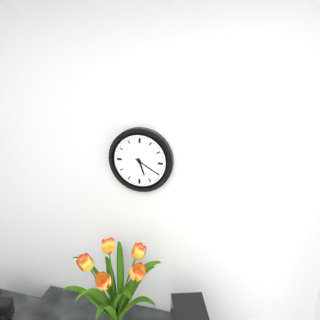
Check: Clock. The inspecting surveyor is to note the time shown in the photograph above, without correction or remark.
5:20
